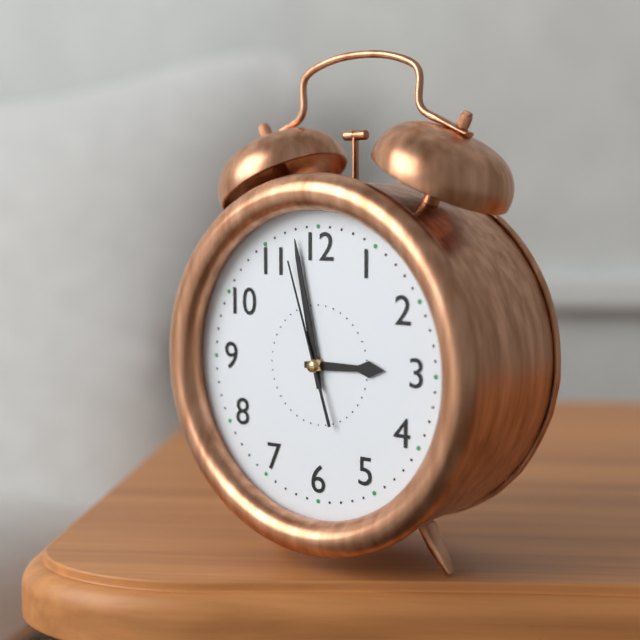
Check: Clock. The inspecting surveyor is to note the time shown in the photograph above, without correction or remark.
2:58:57
